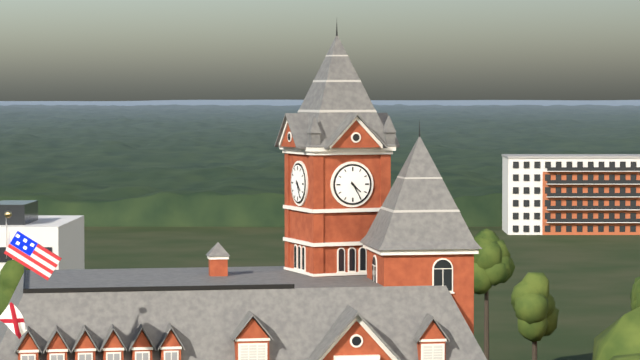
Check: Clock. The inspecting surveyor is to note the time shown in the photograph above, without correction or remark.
4:25
